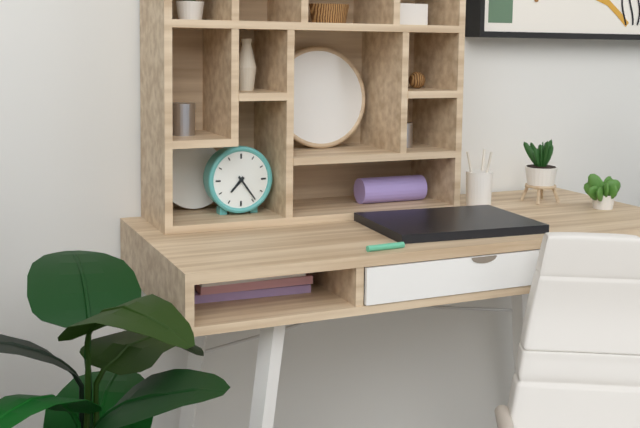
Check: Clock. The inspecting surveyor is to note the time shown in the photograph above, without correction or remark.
7:24
